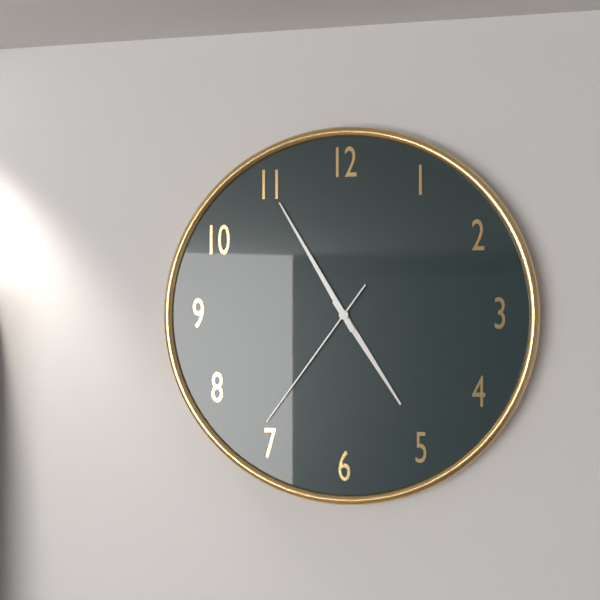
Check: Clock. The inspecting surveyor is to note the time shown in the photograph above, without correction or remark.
4:55:36
